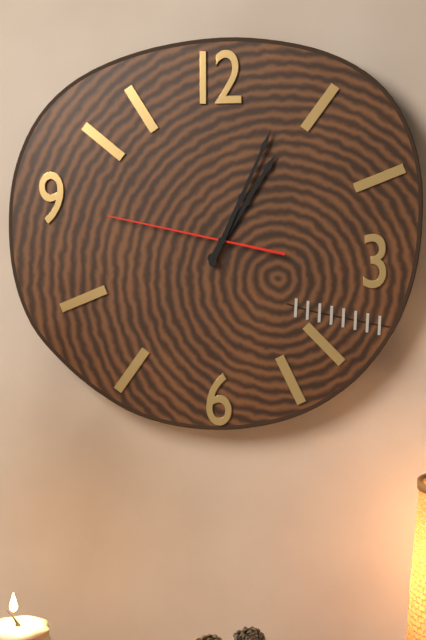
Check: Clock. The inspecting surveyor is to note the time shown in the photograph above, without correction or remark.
1:04:47
